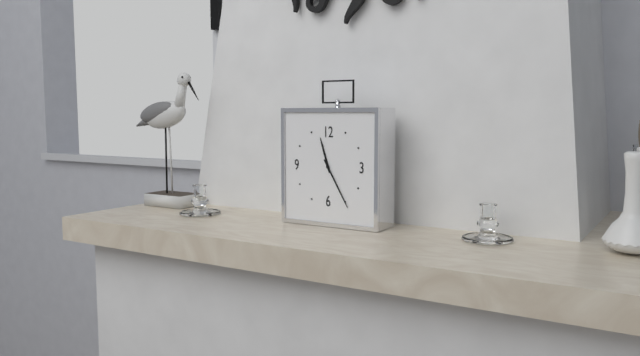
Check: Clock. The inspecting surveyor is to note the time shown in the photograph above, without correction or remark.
11:25
